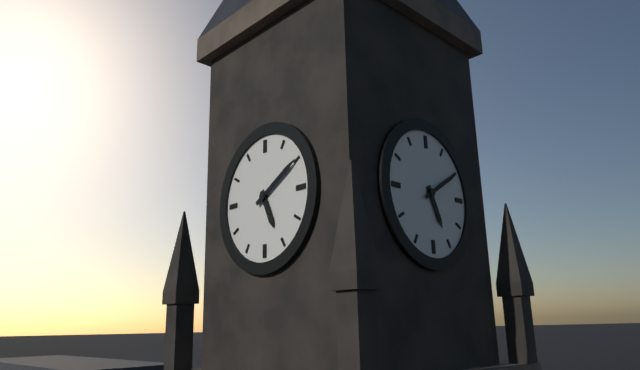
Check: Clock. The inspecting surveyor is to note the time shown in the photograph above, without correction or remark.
5:10
